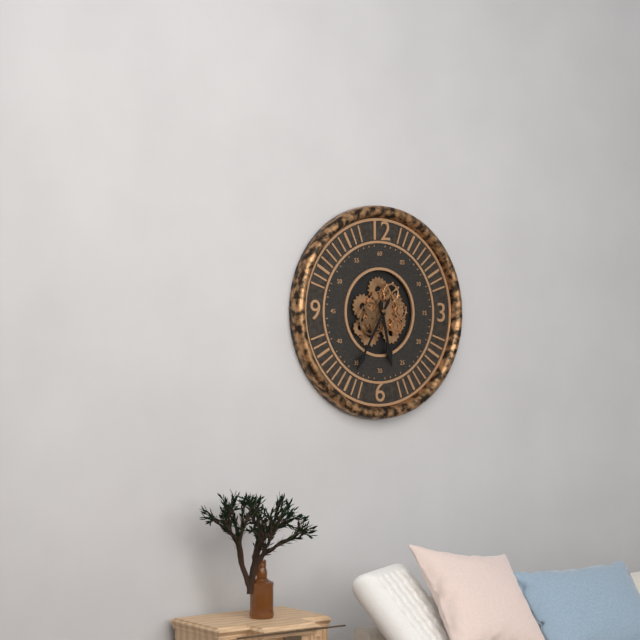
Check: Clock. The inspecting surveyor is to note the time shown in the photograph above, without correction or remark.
5:35
